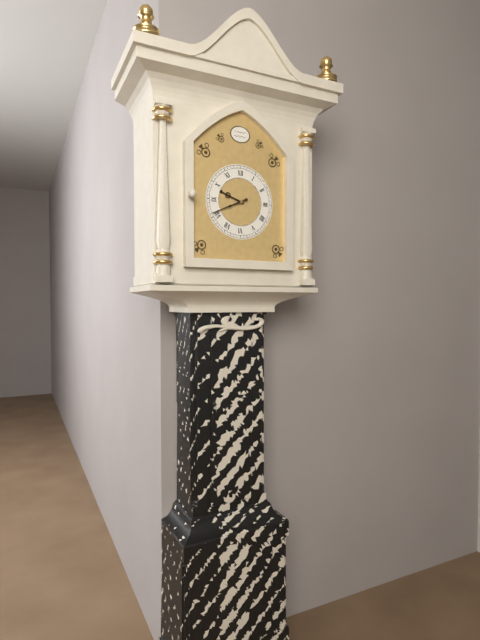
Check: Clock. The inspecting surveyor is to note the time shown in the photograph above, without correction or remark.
9:41
